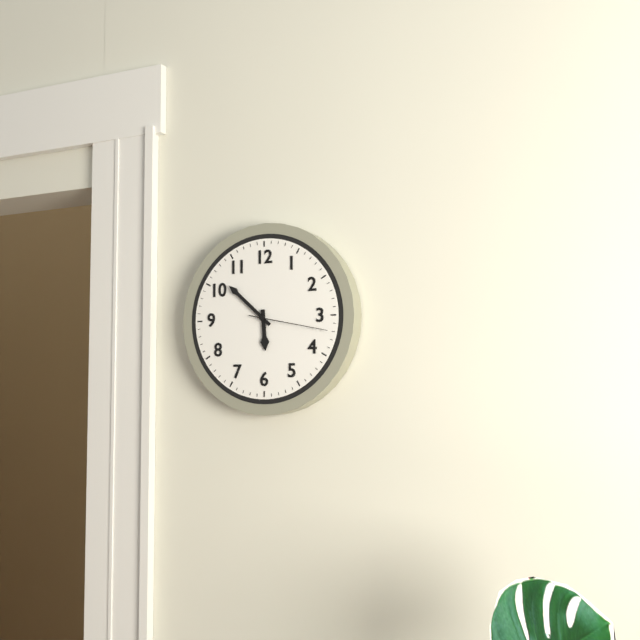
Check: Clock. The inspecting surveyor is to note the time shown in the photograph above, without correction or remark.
5:52:17
